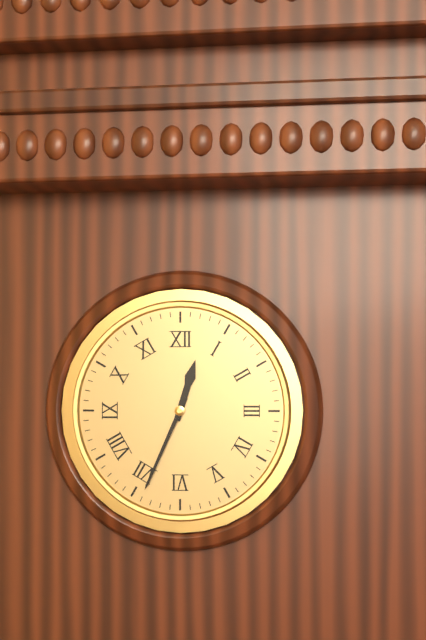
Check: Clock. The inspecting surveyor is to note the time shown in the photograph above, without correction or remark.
12:34
